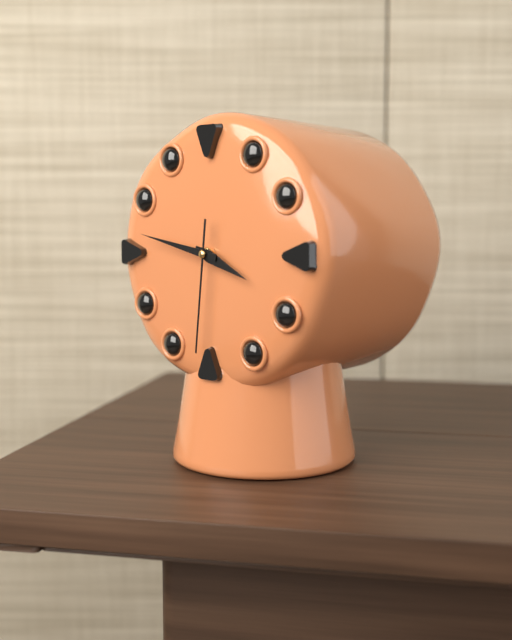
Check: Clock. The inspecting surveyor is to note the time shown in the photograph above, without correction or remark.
3:47:31
